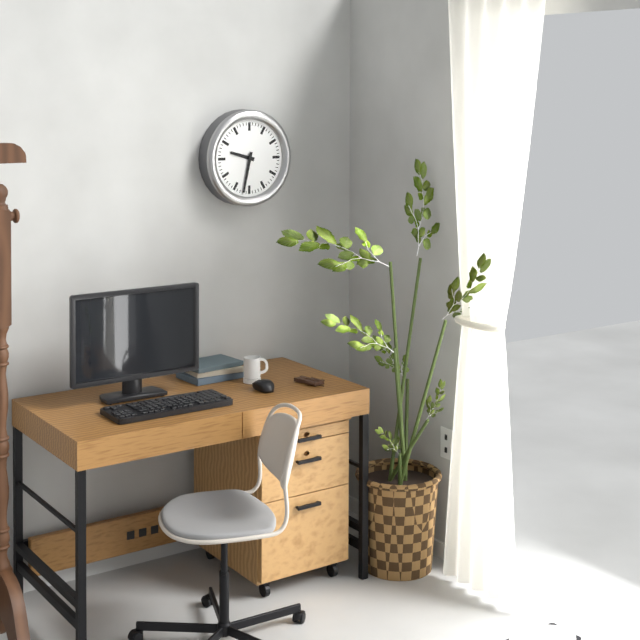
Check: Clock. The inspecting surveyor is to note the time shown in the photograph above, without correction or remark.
9:32
